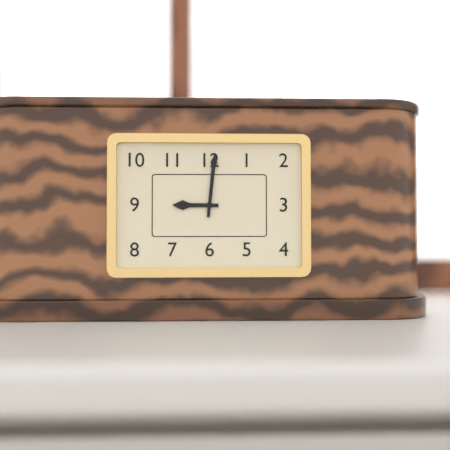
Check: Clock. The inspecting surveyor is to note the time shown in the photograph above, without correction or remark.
9:01
